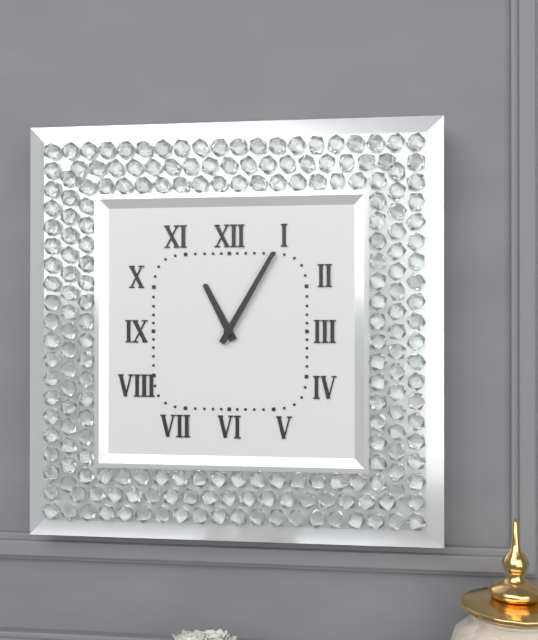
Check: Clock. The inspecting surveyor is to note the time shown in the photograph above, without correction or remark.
11:05
